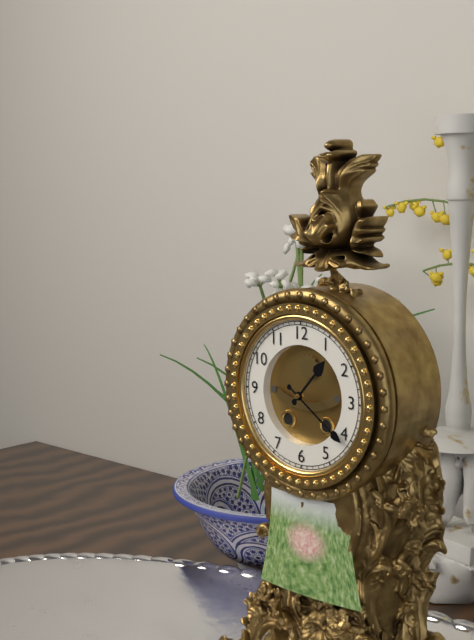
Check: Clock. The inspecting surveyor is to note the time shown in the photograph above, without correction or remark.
1:21
